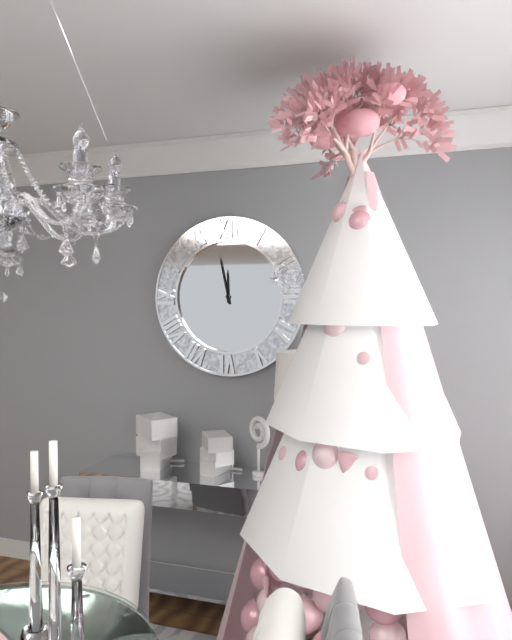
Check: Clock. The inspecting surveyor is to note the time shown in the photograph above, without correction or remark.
11:58
